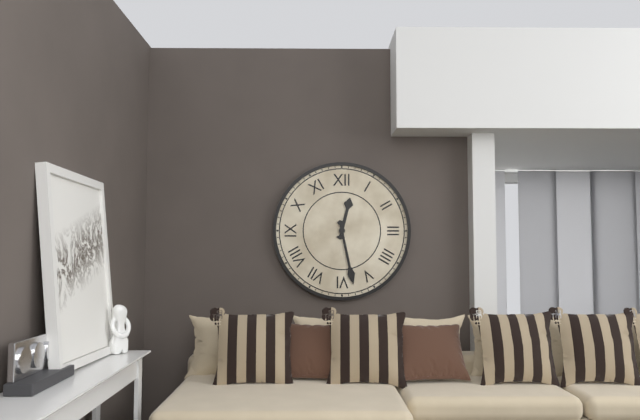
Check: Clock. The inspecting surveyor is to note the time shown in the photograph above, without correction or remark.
12:28
